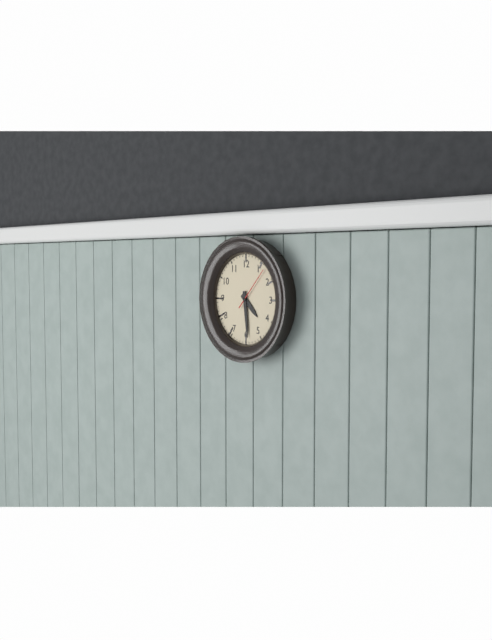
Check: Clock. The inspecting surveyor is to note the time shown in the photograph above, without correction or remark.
4:29
